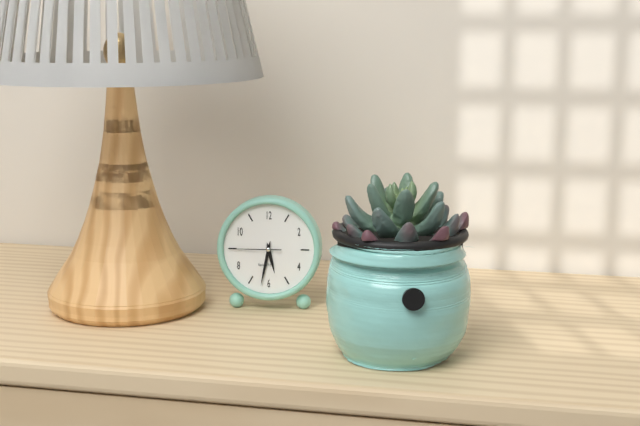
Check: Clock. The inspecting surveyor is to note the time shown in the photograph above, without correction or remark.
5:32:45
